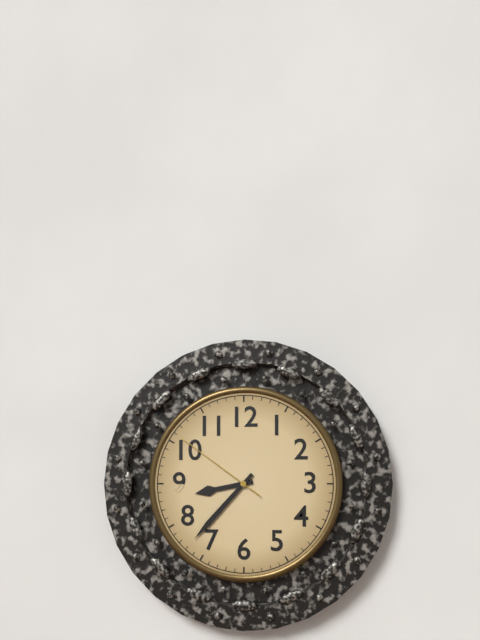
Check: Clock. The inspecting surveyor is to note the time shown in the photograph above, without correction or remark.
8:37:51
